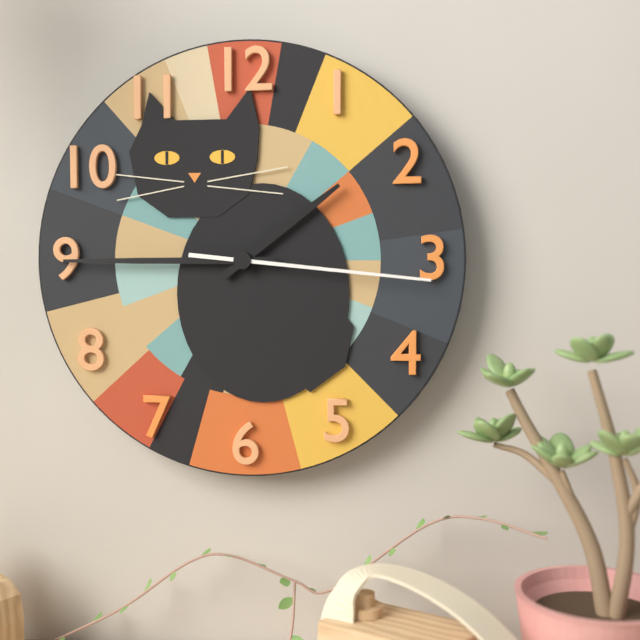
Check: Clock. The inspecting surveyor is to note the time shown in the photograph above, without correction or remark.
1:45:16
